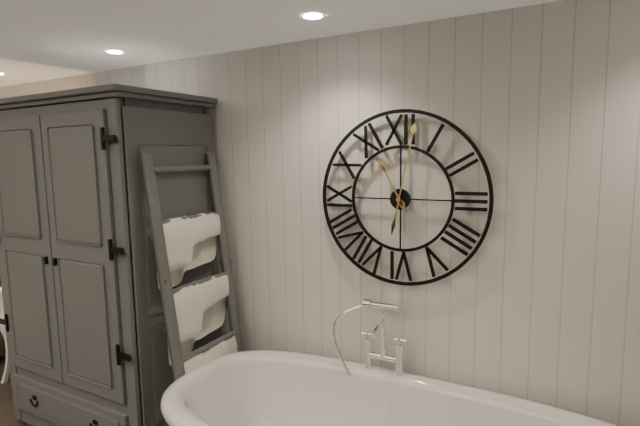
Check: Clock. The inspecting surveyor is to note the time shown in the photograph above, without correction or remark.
11:02
